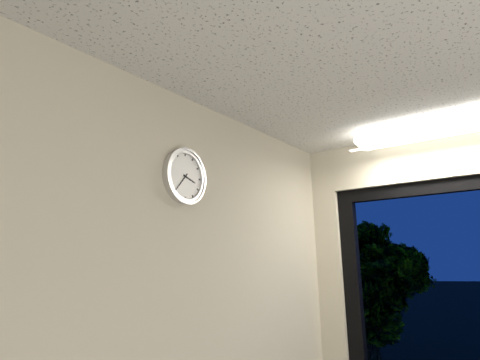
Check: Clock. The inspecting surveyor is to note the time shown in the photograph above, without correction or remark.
3:37
